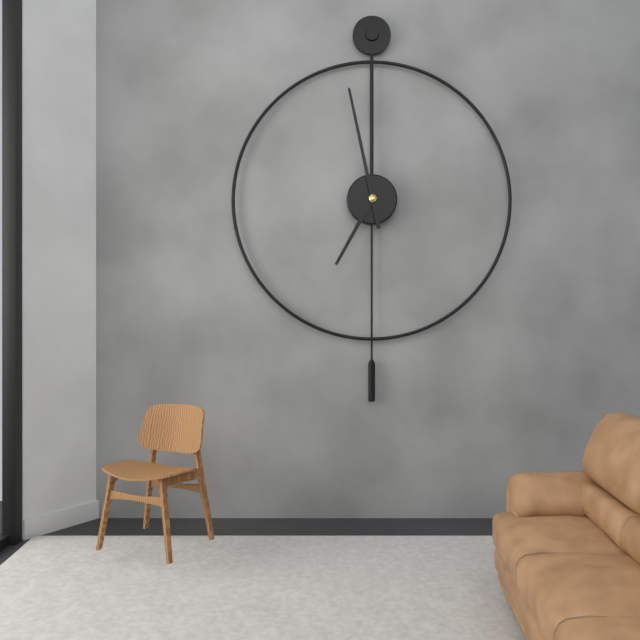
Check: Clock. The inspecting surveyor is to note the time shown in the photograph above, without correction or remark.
6:58
